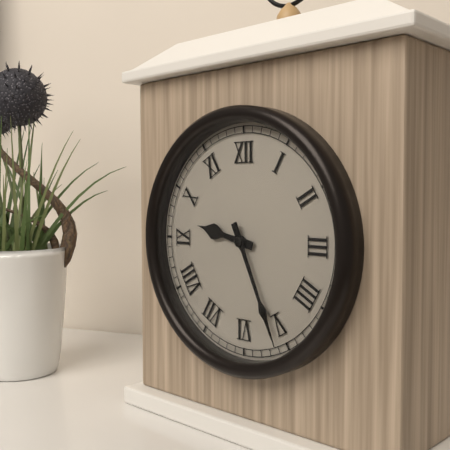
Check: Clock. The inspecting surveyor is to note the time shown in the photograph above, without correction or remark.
9:26
